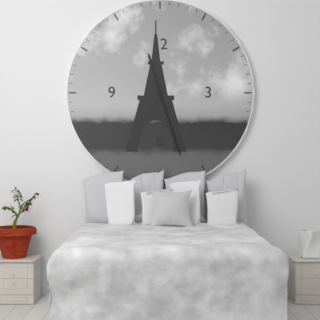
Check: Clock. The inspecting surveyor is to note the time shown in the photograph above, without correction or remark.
11:27
